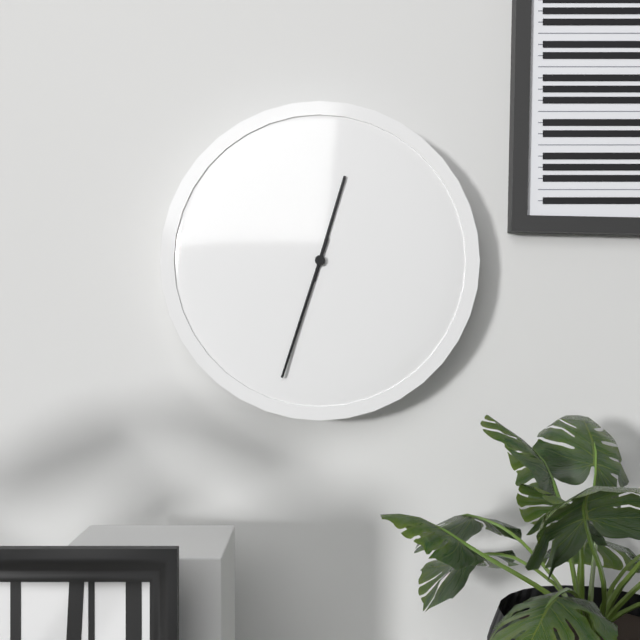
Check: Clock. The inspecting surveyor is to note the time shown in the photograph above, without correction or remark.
12:33
